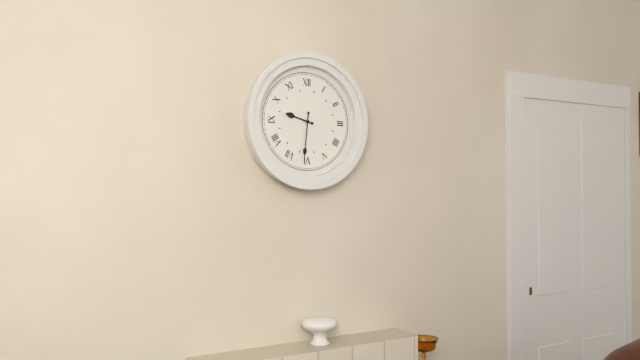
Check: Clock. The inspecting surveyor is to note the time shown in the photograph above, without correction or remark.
9:31
